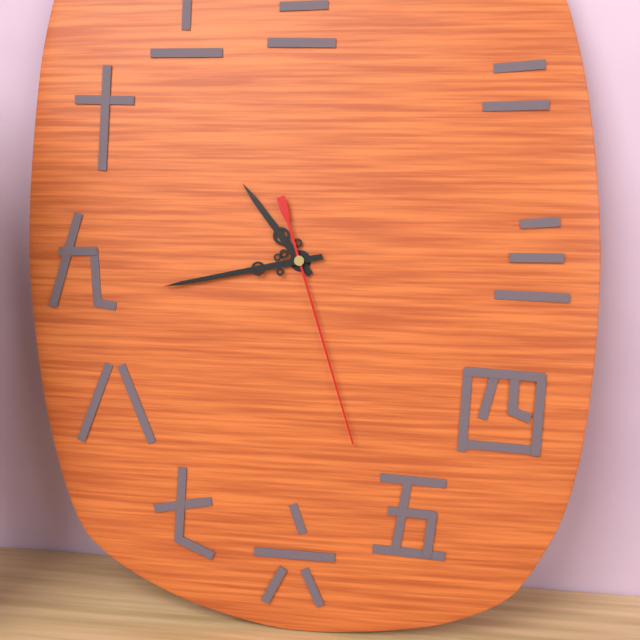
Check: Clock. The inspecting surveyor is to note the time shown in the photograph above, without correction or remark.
10:43:27
